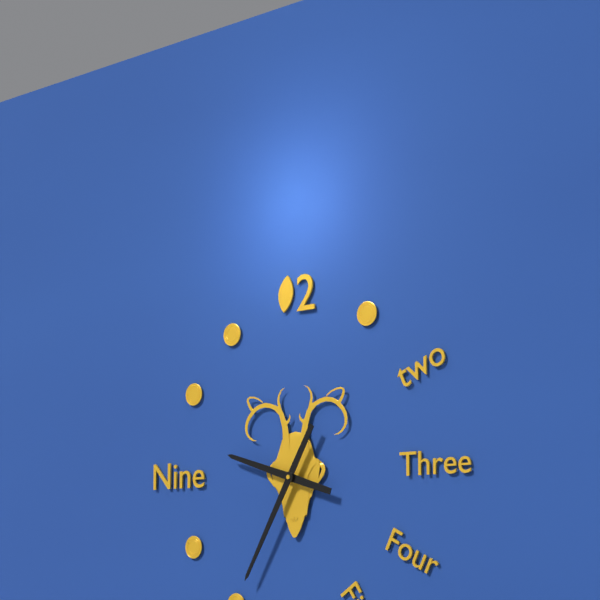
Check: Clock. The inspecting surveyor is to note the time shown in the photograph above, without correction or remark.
9:35
